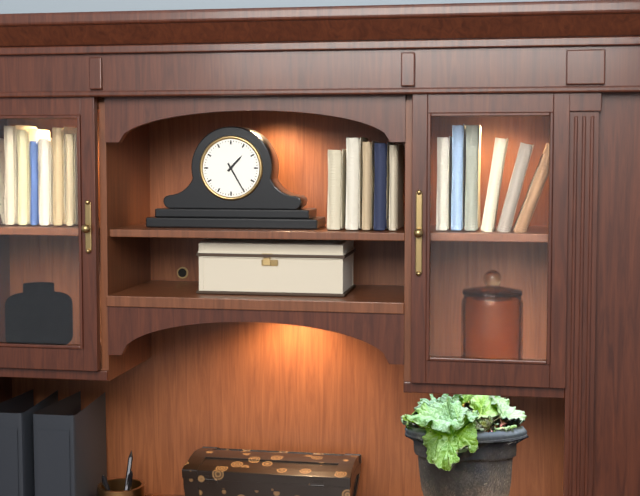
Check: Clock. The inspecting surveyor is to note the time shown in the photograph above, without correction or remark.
1:25
